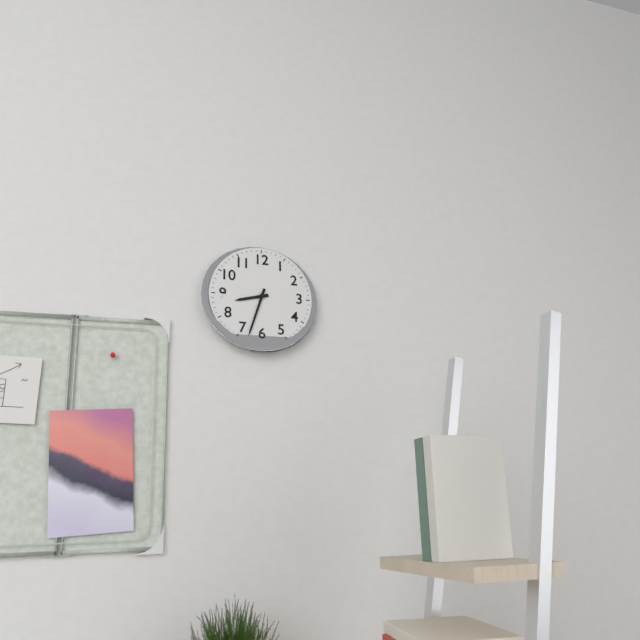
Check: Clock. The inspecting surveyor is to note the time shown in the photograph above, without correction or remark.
8:33
